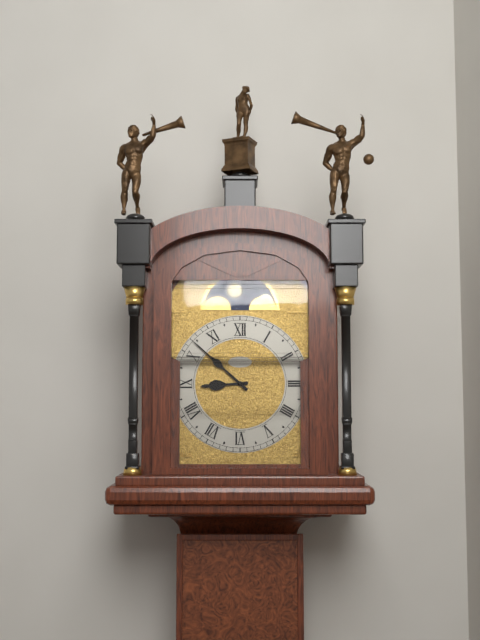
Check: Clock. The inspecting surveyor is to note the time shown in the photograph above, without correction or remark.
8:52
